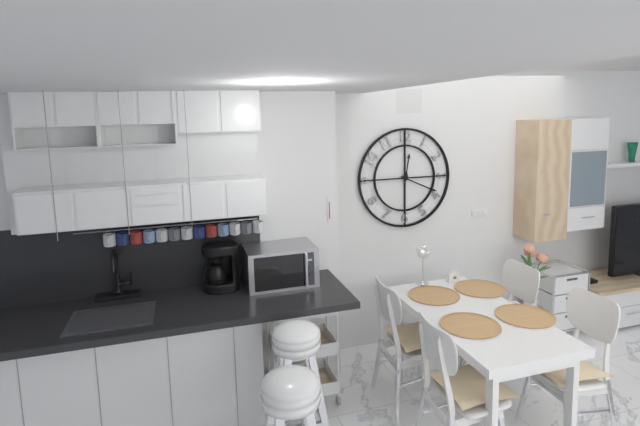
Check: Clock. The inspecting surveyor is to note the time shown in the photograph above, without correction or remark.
12:19
